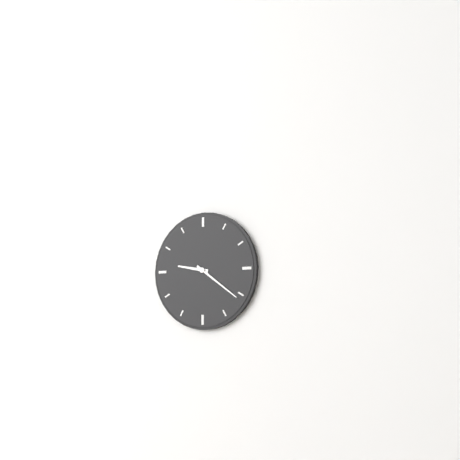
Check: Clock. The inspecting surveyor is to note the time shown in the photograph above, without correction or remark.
9:21
